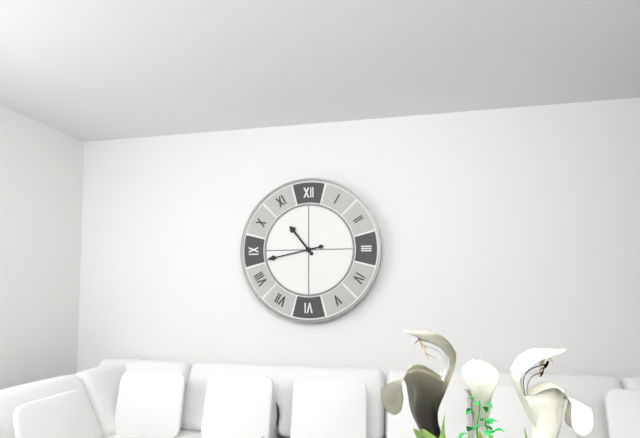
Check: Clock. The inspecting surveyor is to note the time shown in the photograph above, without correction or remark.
10:43
